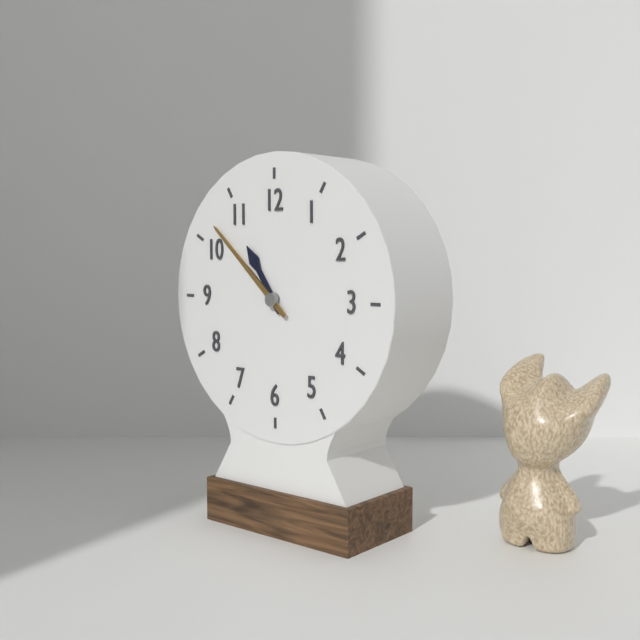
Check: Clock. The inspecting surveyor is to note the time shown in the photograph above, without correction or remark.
10:52
